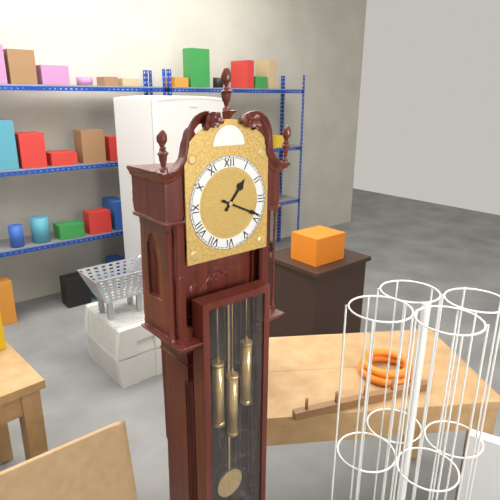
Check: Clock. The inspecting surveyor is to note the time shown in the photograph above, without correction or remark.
1:19
